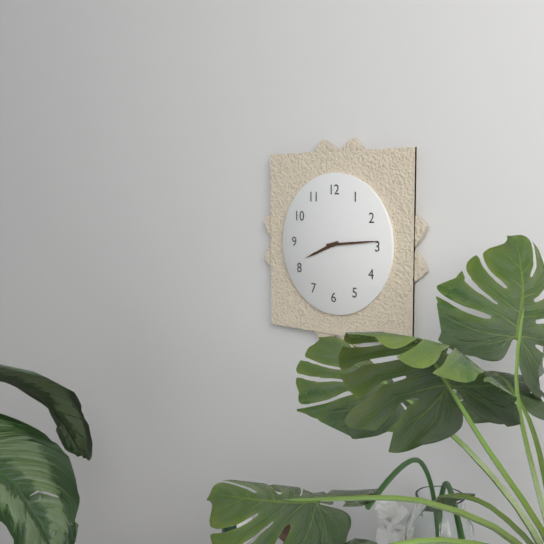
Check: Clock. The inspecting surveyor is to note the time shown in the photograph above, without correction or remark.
8:14
